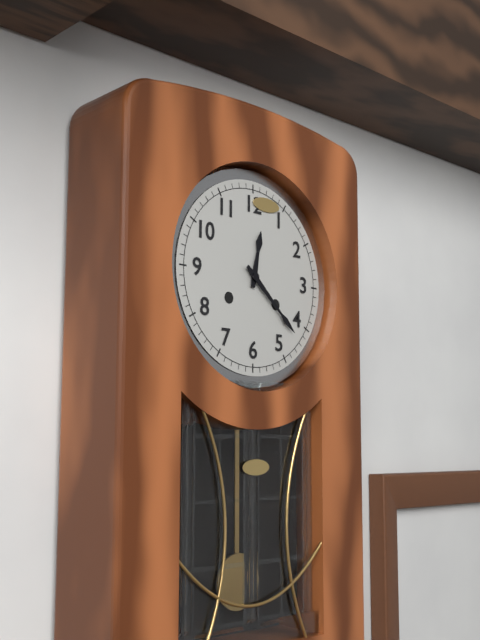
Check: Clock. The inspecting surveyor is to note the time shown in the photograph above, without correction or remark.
12:22
